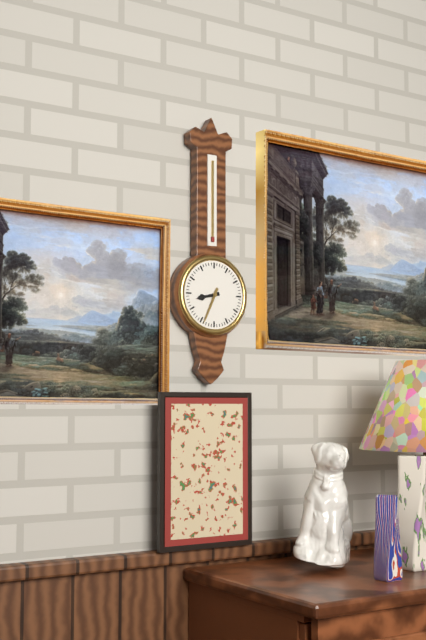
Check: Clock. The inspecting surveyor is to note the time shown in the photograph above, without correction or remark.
8:34
